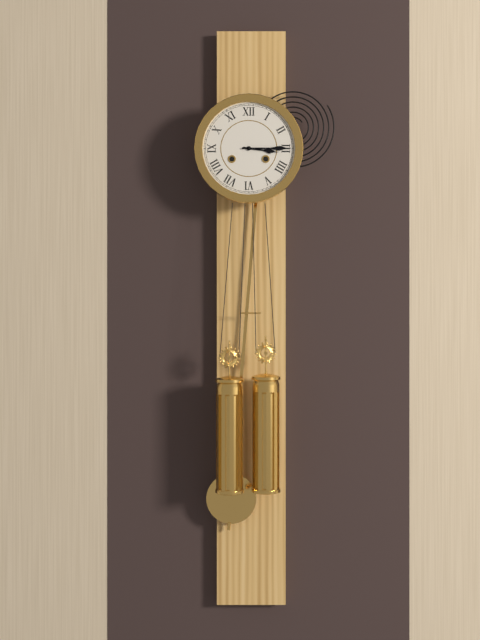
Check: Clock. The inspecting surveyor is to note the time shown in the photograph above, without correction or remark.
3:15
